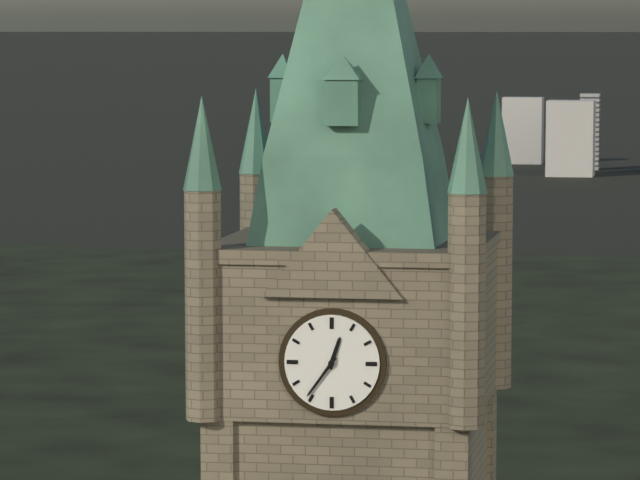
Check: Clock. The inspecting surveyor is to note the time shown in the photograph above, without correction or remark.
12:36
